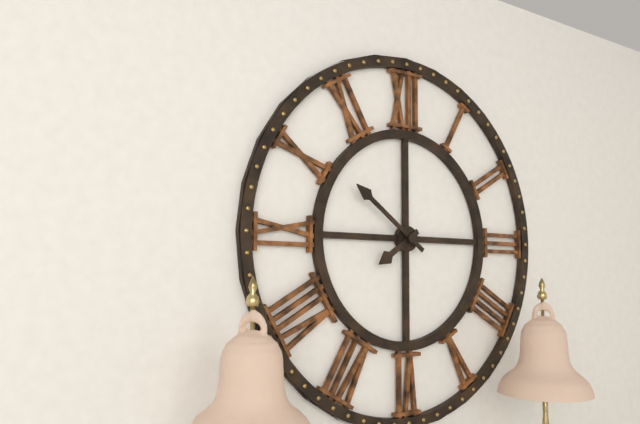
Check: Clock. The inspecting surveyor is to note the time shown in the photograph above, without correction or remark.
7:51
